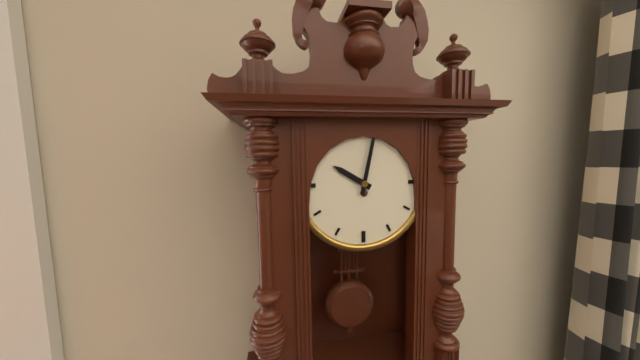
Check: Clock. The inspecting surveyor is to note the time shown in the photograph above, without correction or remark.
10:02
